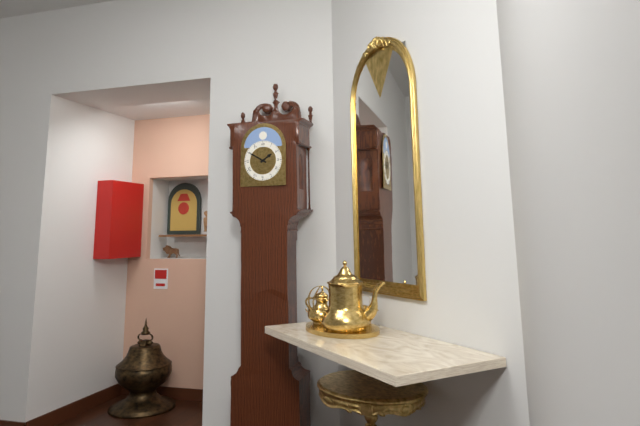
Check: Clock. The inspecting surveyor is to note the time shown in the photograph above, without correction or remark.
1:50
